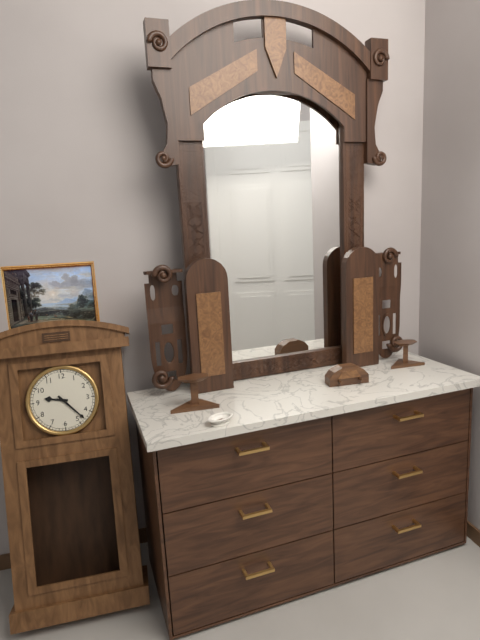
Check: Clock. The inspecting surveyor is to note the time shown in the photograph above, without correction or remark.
9:23
